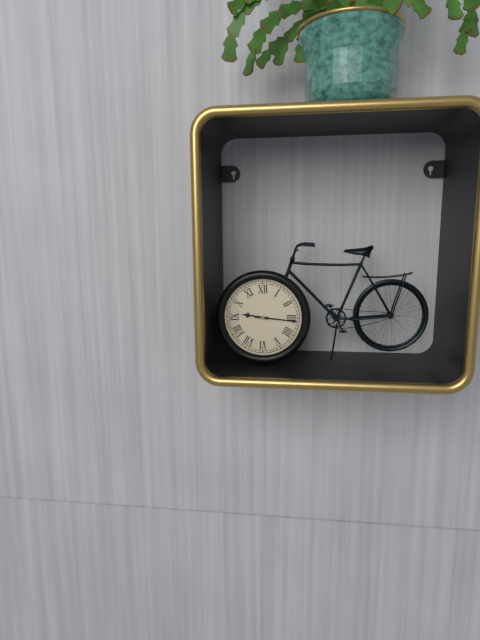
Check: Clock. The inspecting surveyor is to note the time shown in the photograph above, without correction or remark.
9:16
